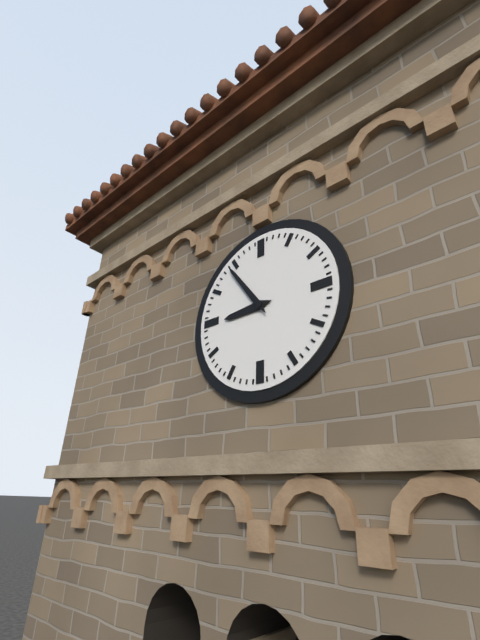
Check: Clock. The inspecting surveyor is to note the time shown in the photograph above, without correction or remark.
8:54
